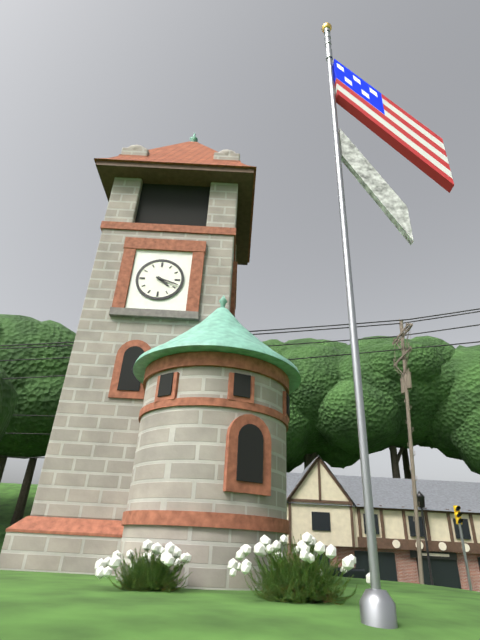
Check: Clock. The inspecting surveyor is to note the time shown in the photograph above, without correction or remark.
4:18
